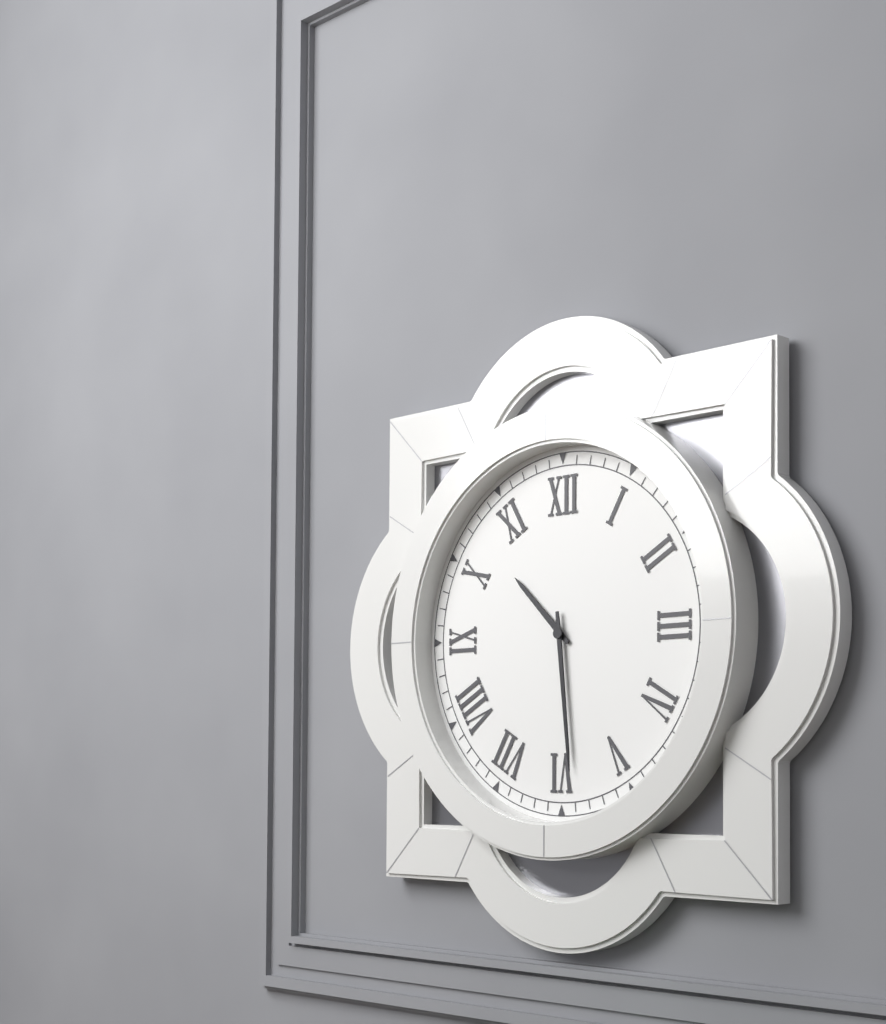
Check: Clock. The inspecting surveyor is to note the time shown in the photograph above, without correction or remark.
10:29
